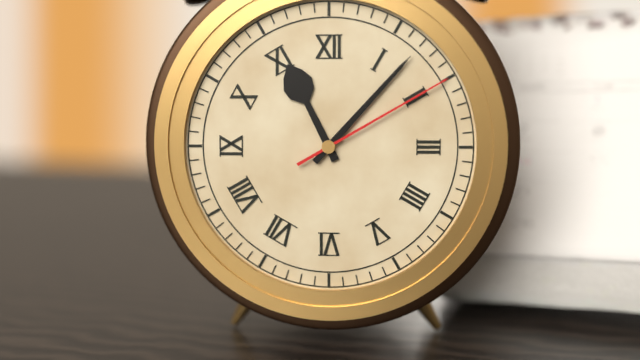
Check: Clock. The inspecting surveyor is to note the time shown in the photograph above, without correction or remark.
11:07:10
